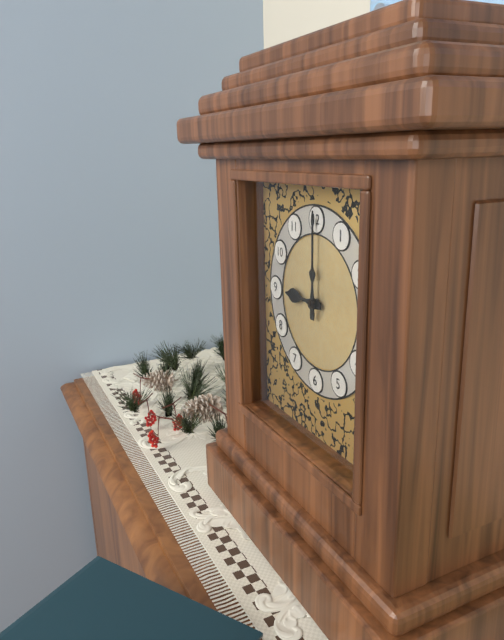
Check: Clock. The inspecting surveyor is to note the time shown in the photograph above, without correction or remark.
9:00
